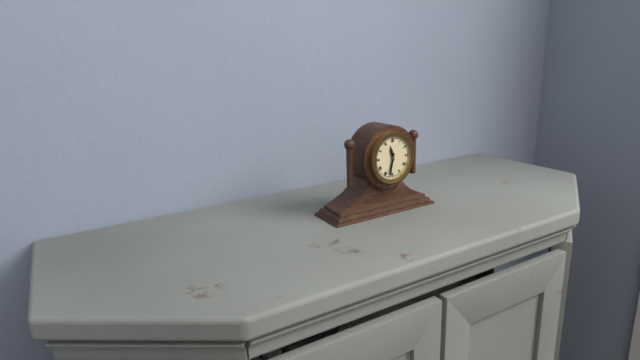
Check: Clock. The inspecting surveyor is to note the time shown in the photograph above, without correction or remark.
11:32
